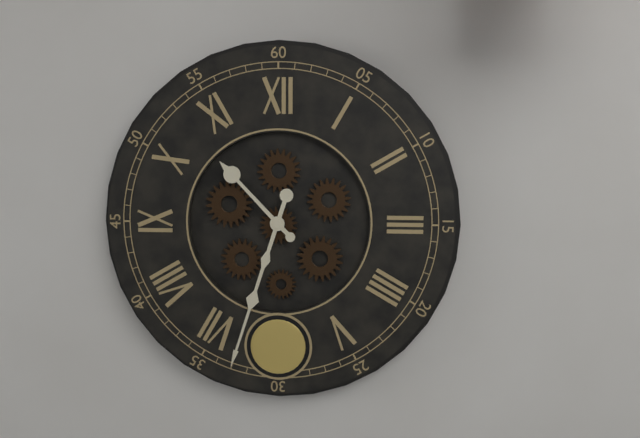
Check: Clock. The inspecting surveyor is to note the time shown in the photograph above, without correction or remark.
10:33
